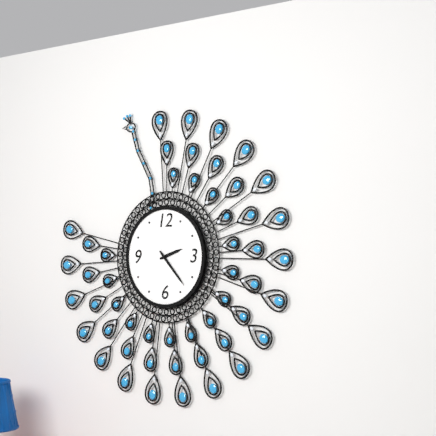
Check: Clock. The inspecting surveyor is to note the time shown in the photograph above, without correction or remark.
2:23
